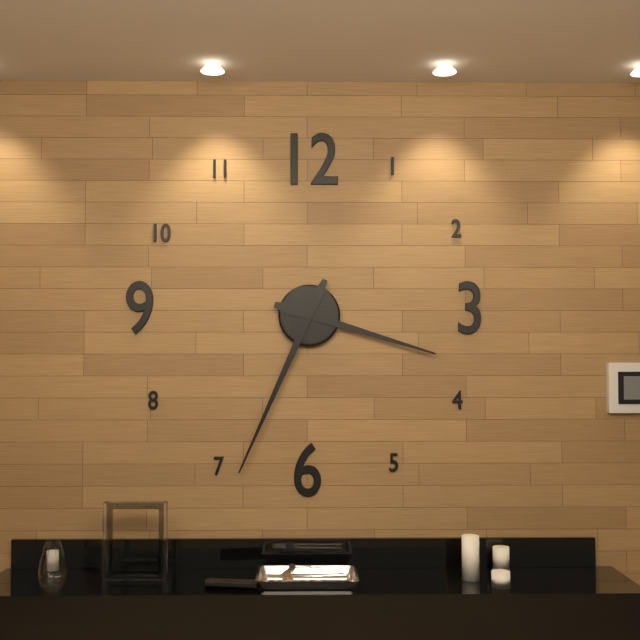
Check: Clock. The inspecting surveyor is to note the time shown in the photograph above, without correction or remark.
3:34
